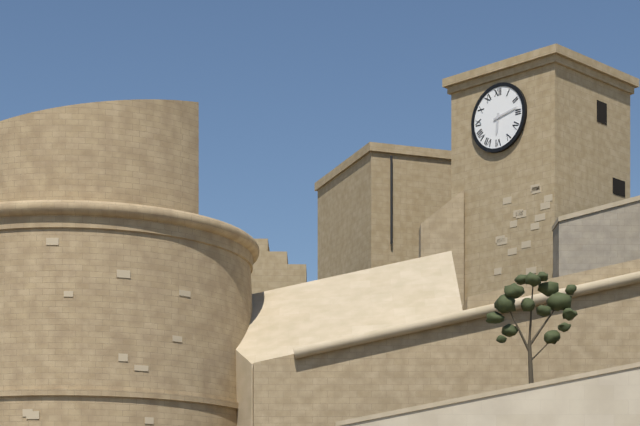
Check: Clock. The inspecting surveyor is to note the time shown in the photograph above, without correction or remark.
6:13
